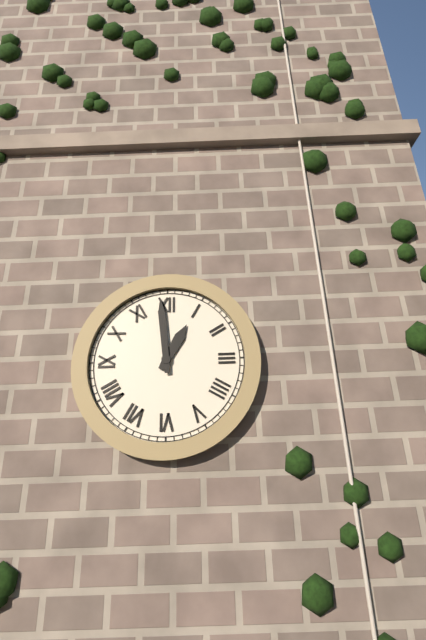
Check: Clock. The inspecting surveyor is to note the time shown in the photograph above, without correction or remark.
12:59
